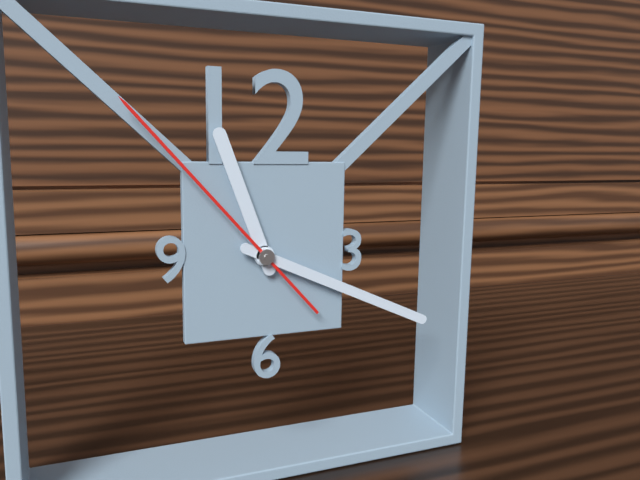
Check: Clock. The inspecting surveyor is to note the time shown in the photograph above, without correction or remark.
11:19:53
